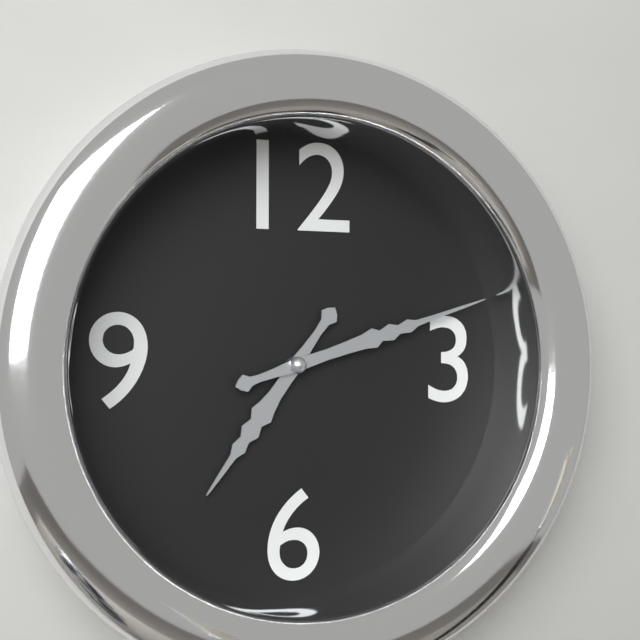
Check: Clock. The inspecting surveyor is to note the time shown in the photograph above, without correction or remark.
7:12
